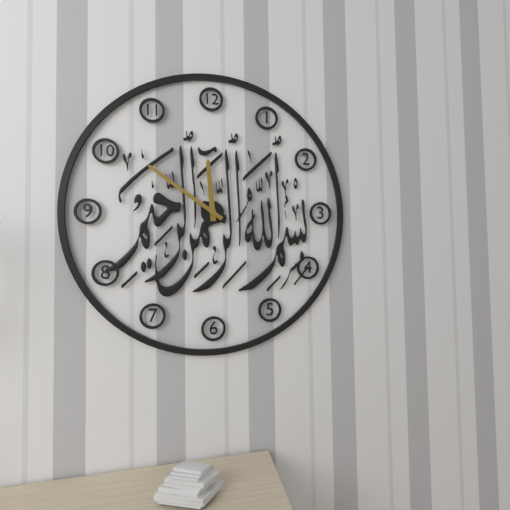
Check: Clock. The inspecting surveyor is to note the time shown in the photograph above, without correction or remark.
11:51
